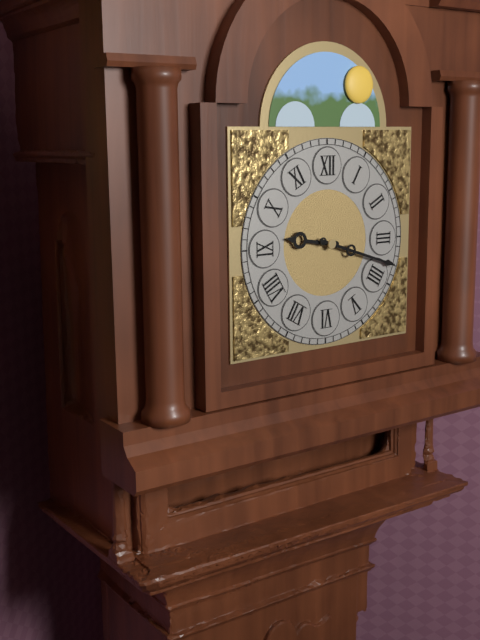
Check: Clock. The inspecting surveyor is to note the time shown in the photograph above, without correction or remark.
9:18
